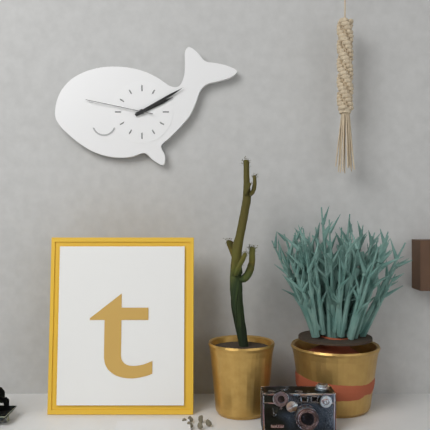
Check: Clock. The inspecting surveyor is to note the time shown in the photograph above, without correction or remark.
2:10:47
